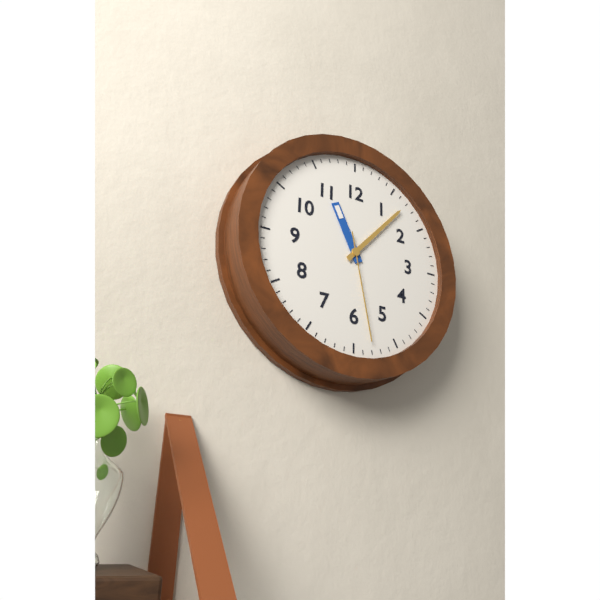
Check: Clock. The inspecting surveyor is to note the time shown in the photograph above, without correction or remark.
11:07:28
